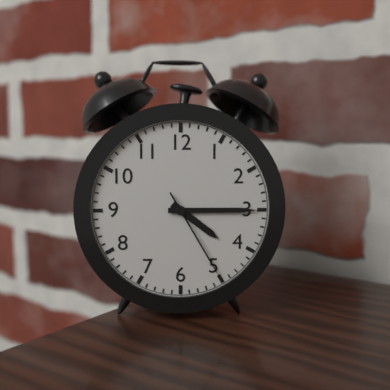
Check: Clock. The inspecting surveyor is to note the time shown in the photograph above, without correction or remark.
4:15:25
